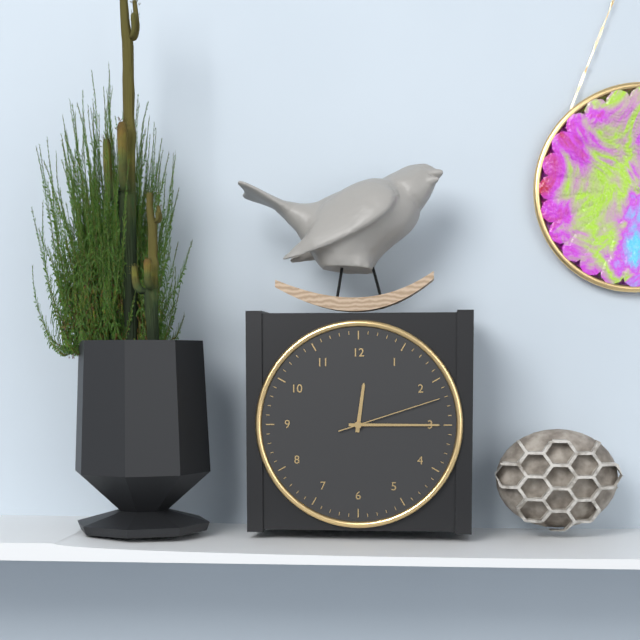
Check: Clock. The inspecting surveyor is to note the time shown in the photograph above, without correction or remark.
12:15:12
